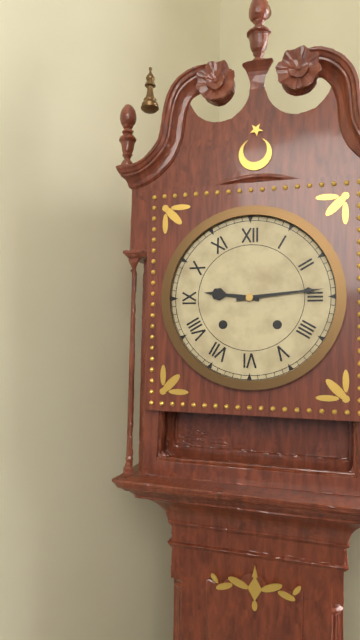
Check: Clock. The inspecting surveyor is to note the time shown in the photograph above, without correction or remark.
9:14
